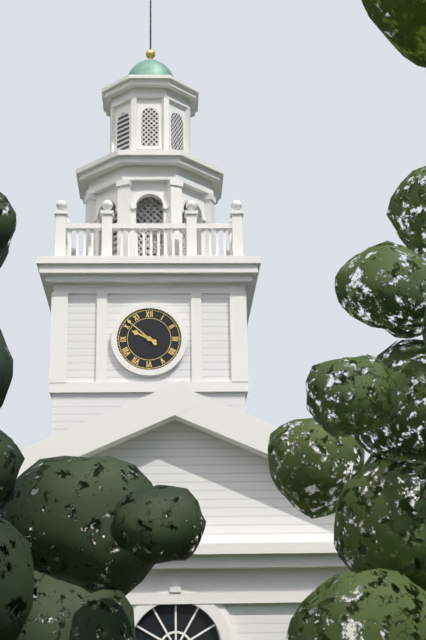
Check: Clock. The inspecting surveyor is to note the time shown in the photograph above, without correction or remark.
9:52
